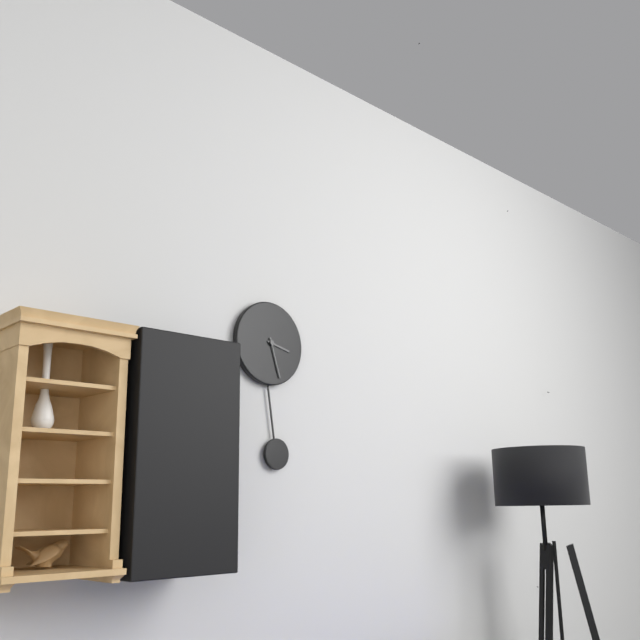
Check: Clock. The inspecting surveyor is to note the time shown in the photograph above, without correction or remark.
3:27
